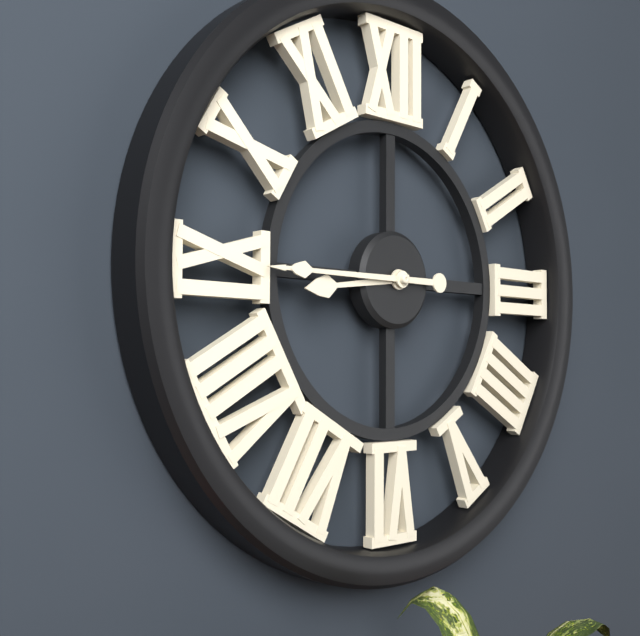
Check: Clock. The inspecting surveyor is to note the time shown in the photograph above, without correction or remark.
8:45
